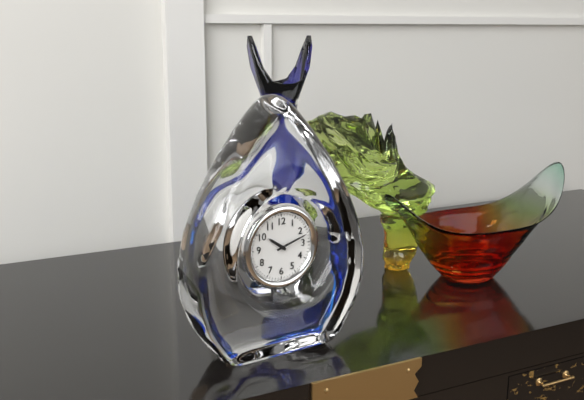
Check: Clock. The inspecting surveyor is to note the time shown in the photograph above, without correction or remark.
10:12
